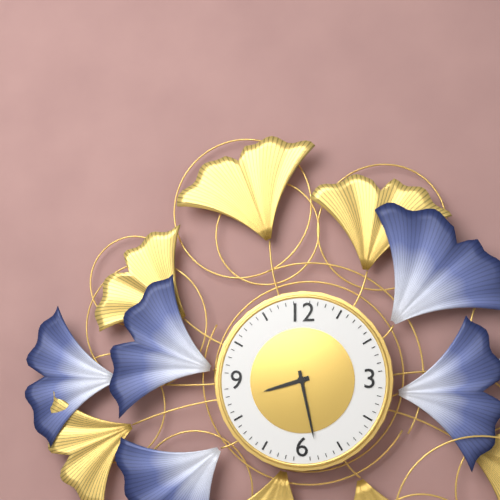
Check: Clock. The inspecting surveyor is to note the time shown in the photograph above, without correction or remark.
8:28
